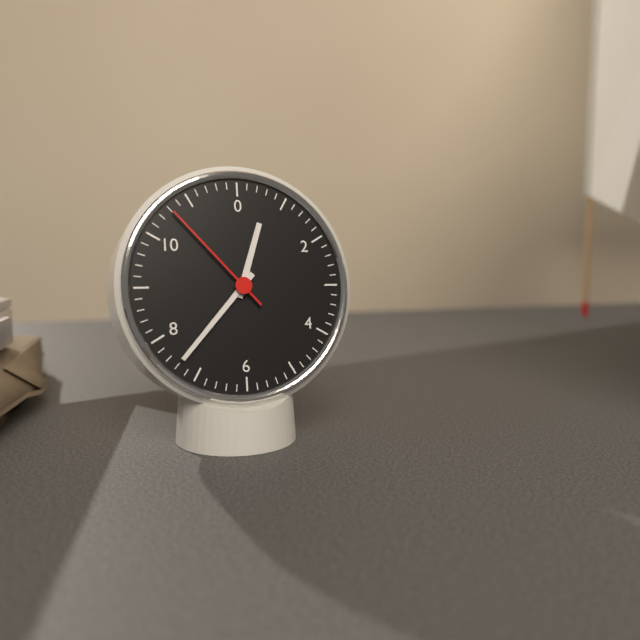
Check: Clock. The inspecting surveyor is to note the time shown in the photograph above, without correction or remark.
12:37:53
